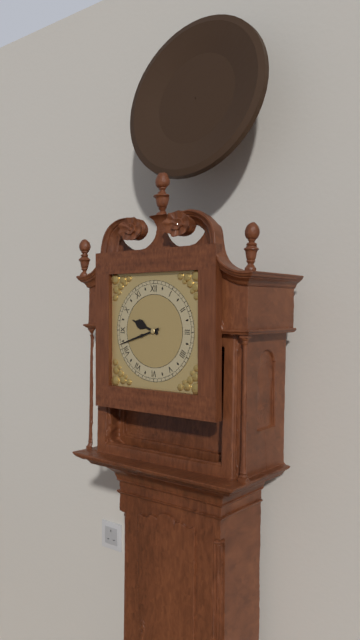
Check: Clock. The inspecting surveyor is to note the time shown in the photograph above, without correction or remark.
9:42
